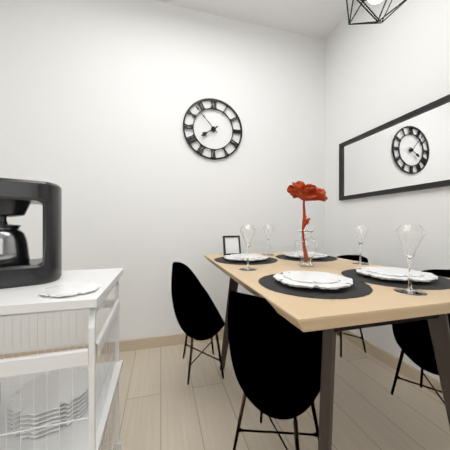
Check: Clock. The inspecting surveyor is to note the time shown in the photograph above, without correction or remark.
7:53
